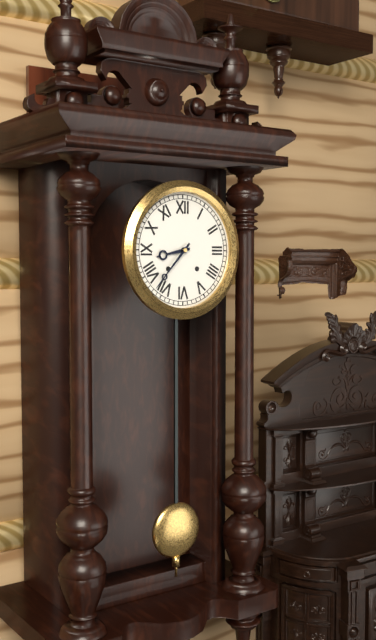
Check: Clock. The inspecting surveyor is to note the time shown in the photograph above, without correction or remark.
8:37
